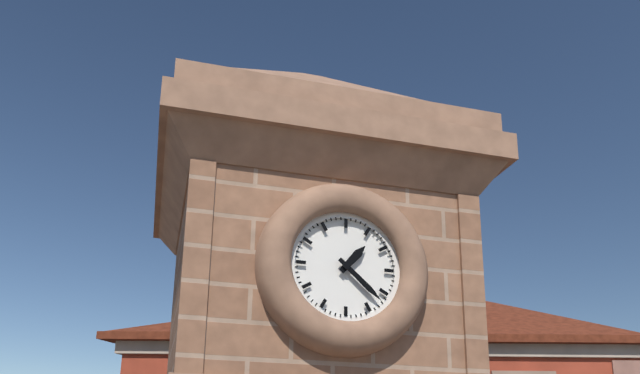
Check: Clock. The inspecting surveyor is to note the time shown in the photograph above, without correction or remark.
1:22
